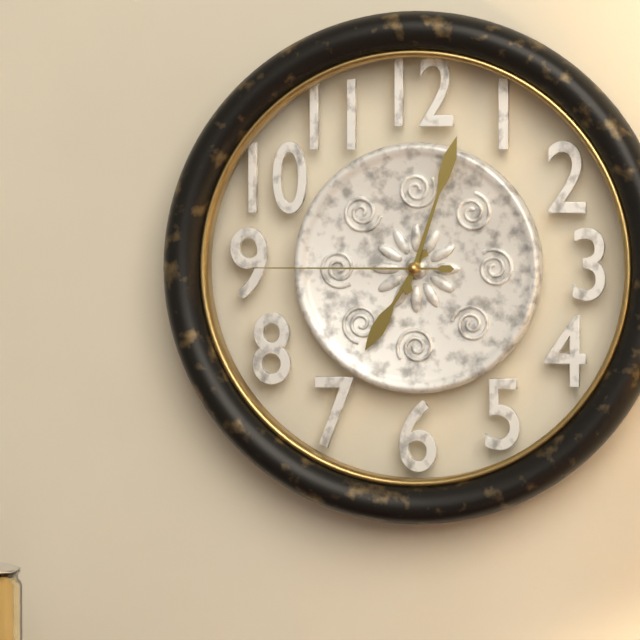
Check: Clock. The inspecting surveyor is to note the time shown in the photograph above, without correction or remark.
7:03:45
